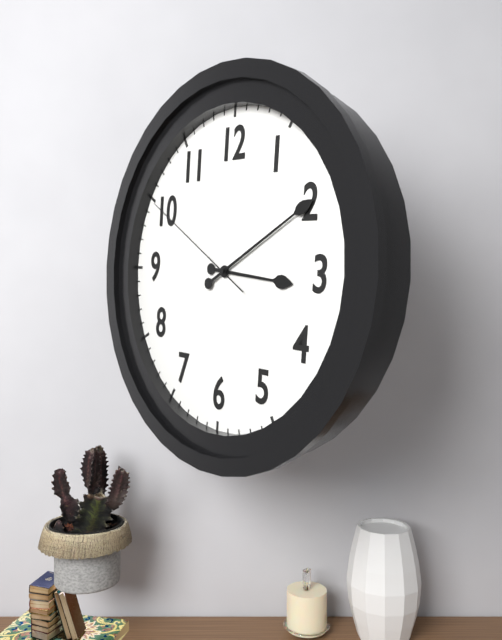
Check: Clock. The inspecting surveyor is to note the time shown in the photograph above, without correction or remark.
3:10:50
